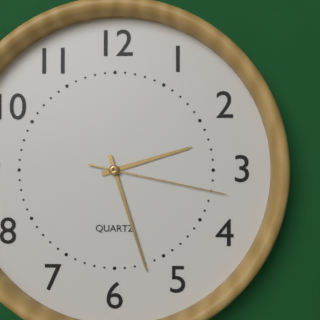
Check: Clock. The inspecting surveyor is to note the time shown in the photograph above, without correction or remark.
2:27:17
